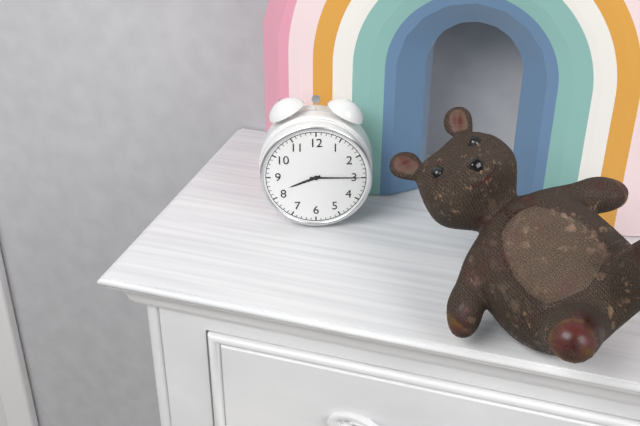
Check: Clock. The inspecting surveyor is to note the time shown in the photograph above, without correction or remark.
8:15
